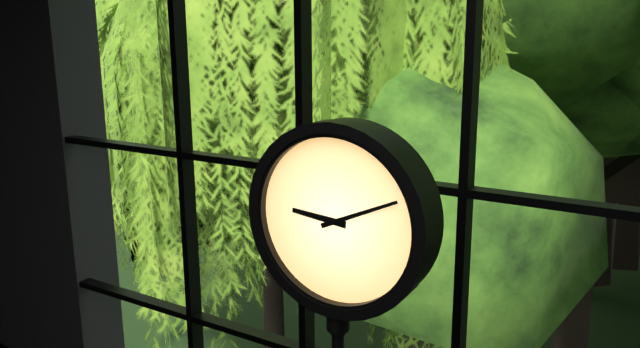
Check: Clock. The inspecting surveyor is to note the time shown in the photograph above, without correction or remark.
9:11
